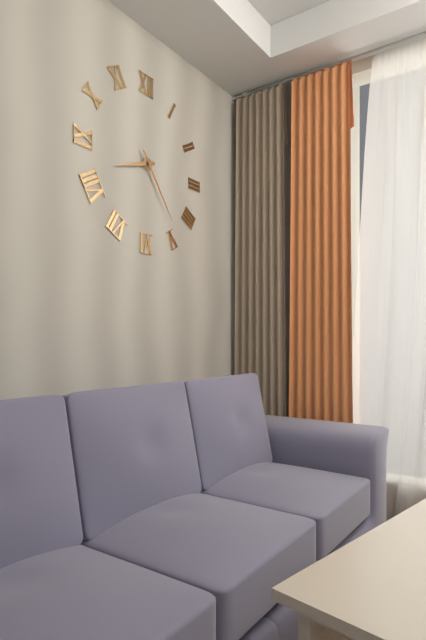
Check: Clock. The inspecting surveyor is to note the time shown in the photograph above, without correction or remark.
8:24
